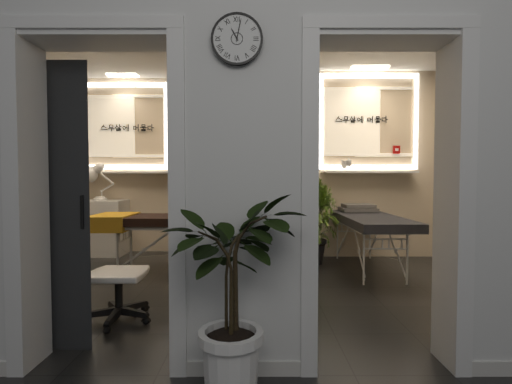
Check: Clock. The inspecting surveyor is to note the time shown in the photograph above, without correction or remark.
11:02
